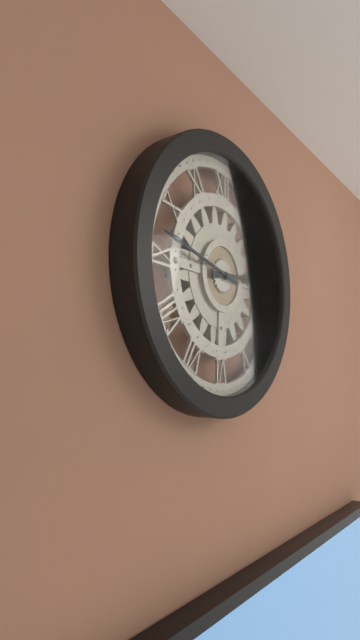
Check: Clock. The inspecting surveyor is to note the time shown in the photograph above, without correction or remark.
2:47
